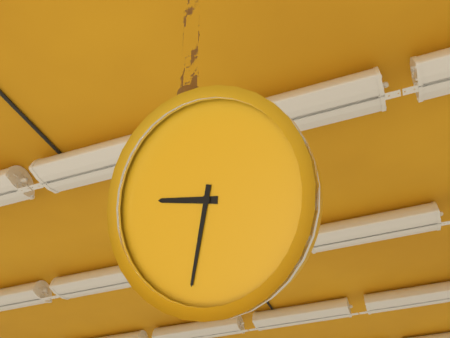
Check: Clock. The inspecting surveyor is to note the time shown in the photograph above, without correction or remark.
9:34
